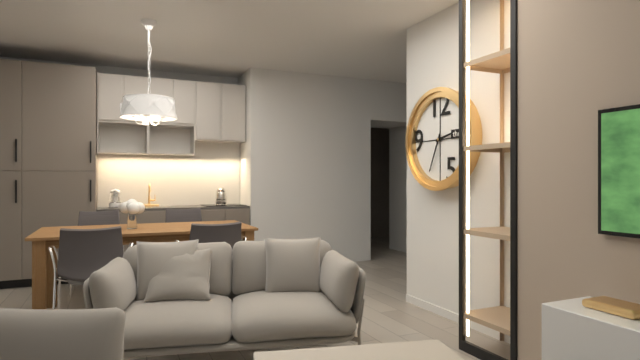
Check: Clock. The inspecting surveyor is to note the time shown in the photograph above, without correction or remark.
2:34
